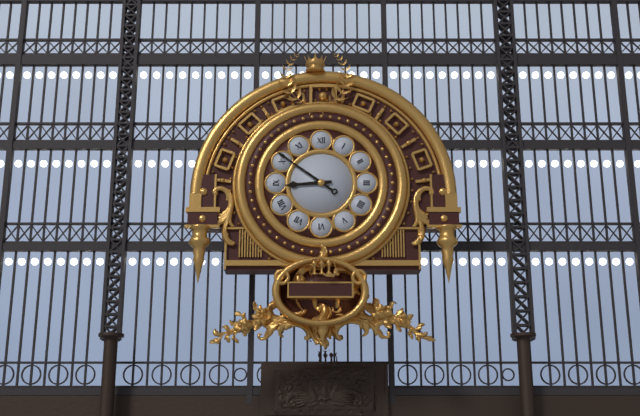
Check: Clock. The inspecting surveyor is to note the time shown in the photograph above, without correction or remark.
8:51
